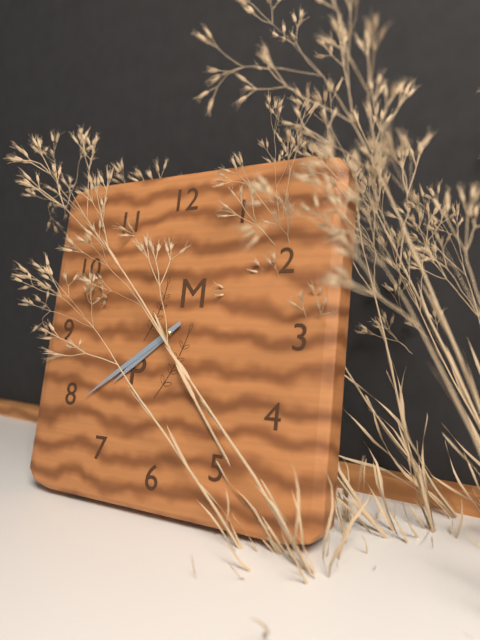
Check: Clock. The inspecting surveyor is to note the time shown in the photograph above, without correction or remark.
7:39
